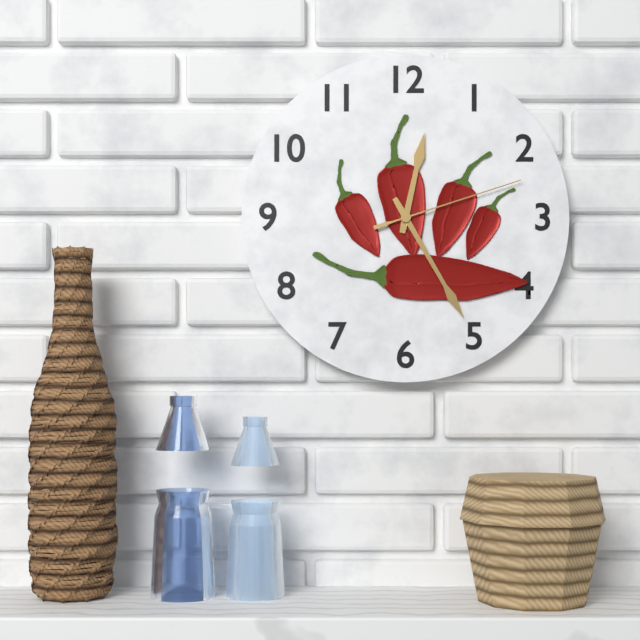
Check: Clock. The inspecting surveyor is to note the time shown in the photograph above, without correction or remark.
12:25:12
